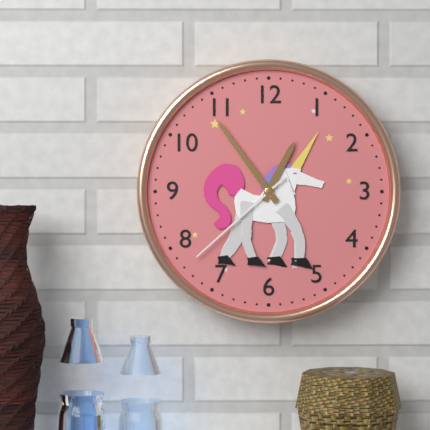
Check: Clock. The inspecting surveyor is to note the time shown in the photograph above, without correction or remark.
12:54:38
